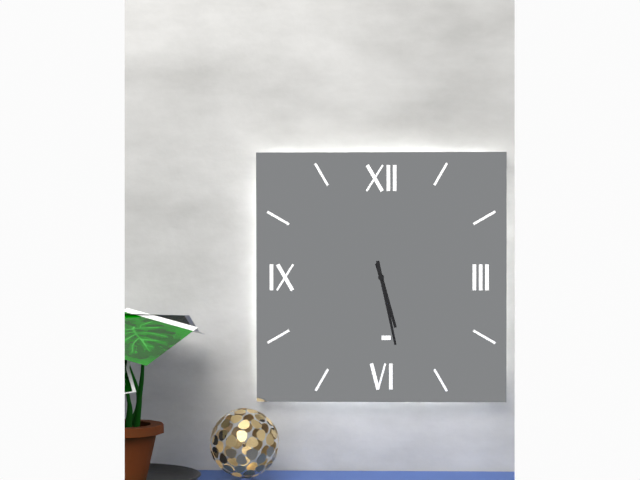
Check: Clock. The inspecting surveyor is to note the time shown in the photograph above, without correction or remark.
5:28
